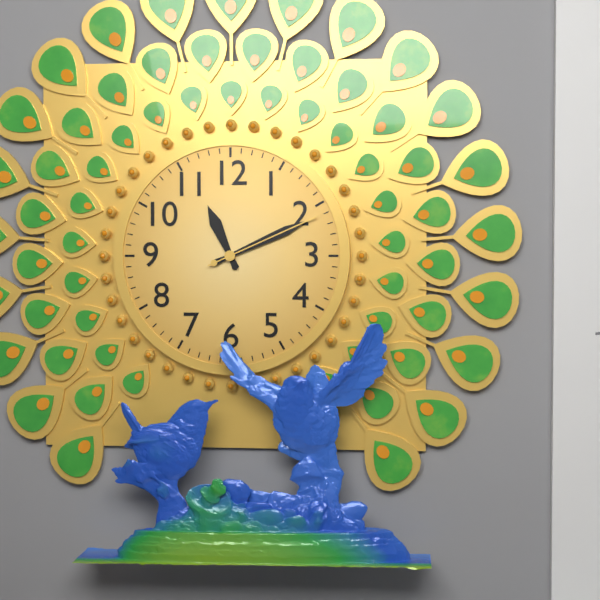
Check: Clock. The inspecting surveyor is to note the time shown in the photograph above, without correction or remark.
11:11:11
